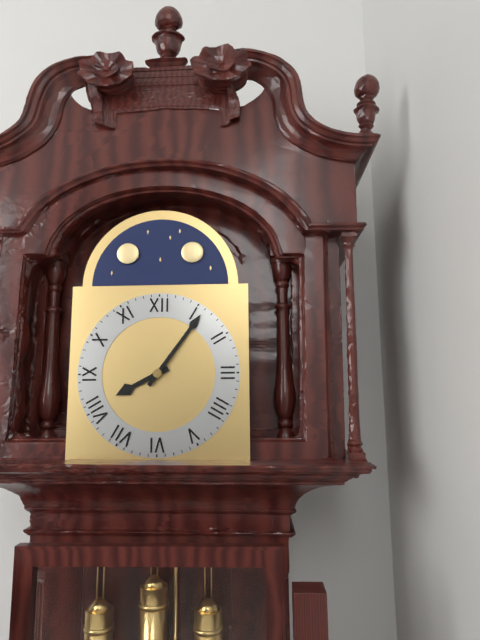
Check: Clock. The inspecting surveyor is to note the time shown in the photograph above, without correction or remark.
8:06
